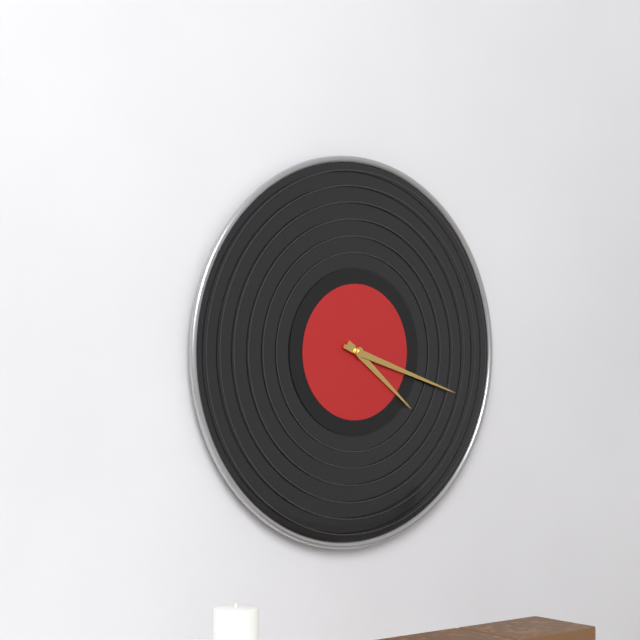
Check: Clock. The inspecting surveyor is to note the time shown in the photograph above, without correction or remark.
4:18
